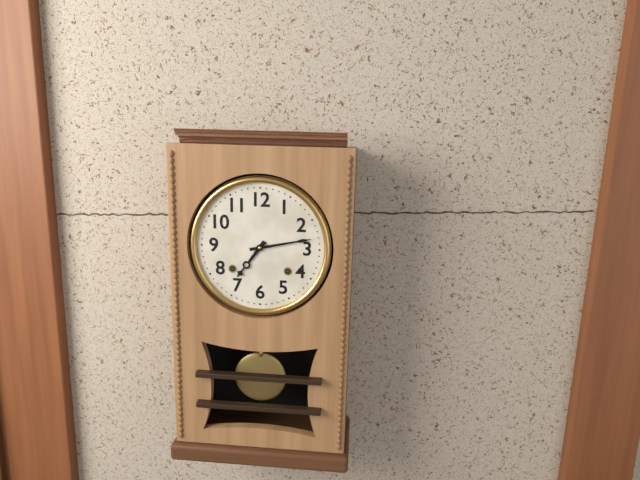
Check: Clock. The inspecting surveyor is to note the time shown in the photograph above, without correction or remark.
7:13
